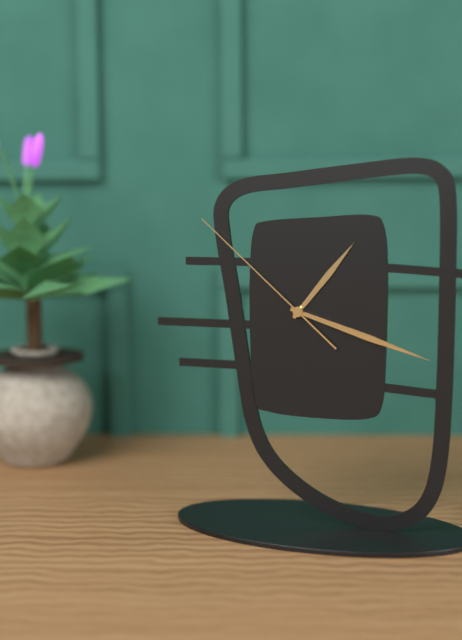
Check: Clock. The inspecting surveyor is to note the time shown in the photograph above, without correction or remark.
1:18:52
